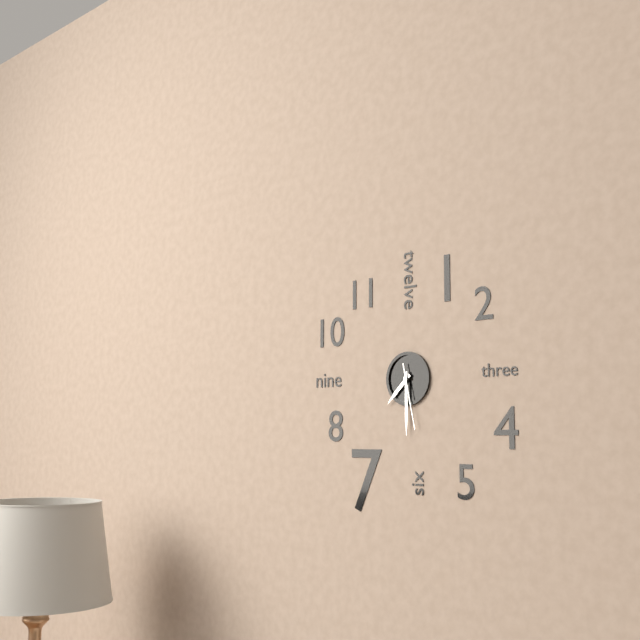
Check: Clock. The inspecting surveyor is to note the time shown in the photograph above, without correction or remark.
7:30:28
